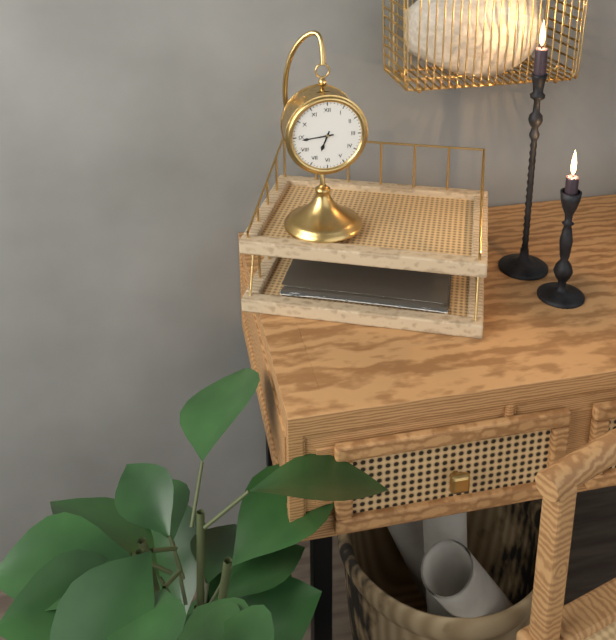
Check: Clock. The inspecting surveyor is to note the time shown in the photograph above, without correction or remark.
6:44
